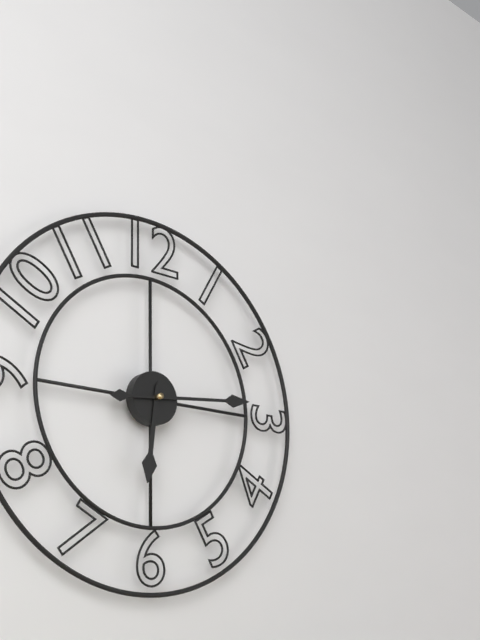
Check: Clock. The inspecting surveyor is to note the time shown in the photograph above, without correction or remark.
6:14
